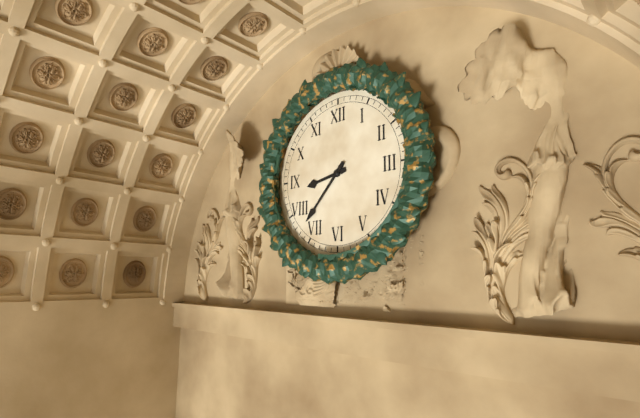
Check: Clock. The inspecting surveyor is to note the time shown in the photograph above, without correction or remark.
8:37
